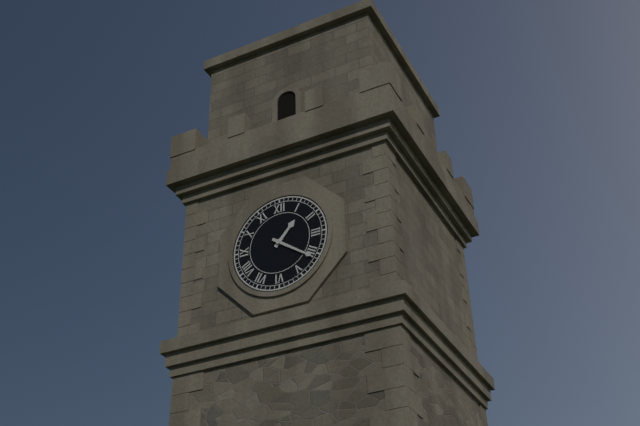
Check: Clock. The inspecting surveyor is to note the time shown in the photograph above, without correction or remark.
1:21
